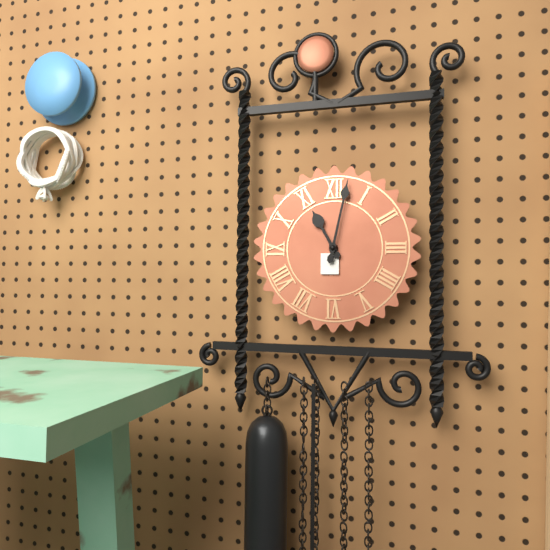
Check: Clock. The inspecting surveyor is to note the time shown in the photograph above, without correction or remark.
11:02
